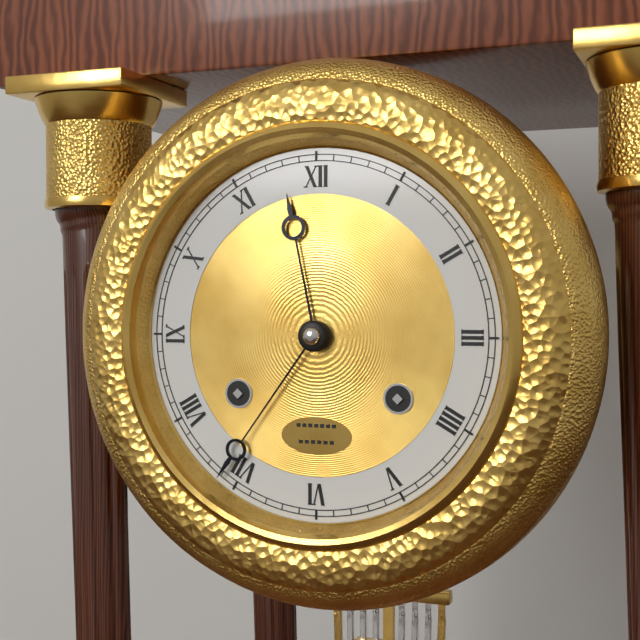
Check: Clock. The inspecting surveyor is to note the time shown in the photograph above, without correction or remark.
11:36
